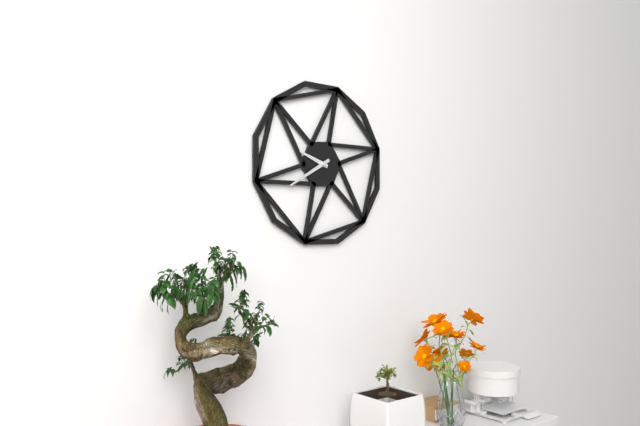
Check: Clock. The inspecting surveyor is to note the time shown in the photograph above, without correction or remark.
9:40
